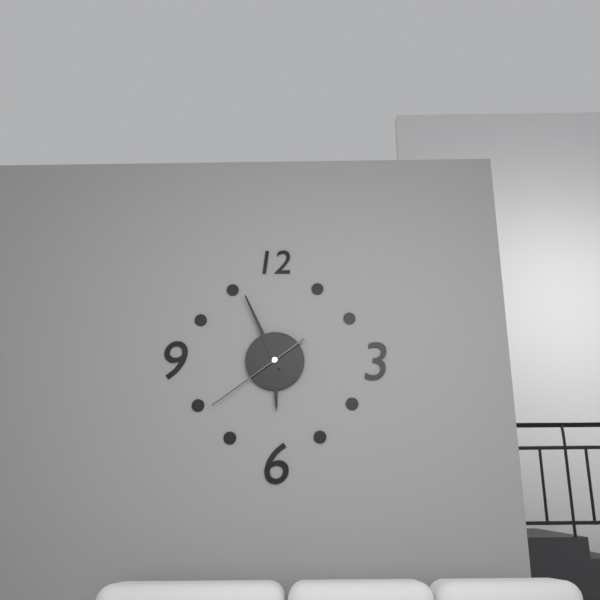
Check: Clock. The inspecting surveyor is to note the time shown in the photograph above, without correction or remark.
5:56:39
